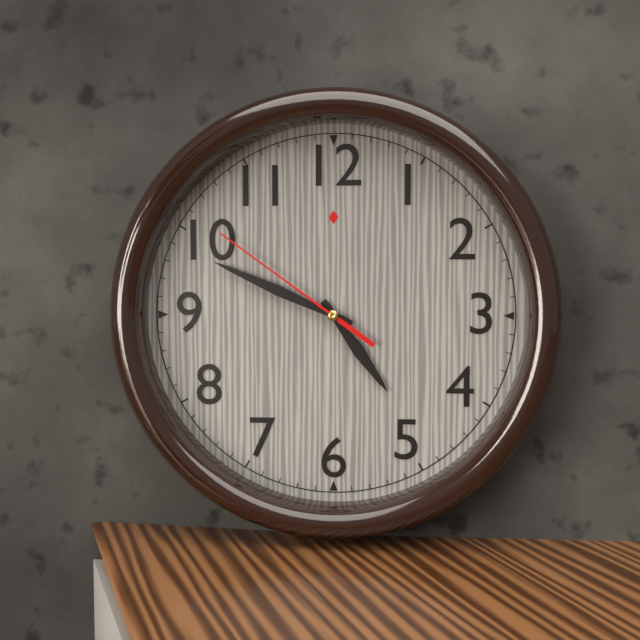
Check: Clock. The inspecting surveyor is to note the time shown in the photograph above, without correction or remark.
4:49:51
